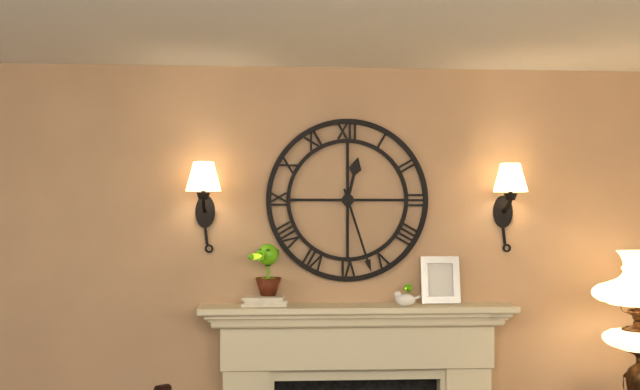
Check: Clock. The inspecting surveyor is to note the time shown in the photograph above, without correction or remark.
12:27
